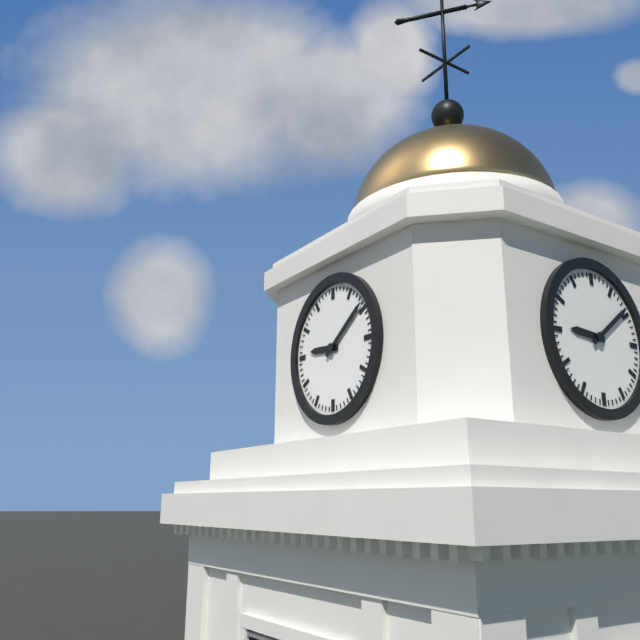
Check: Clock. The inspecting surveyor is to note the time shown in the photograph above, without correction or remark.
9:09
